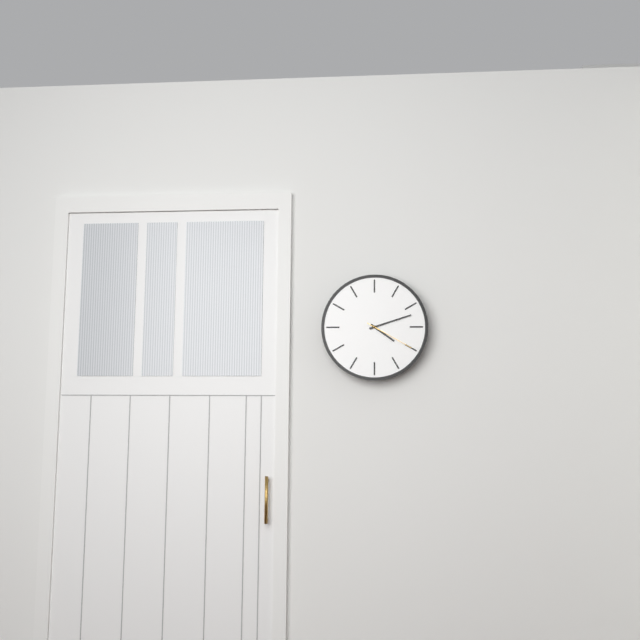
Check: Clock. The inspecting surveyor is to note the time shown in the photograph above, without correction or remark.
4:12:20
